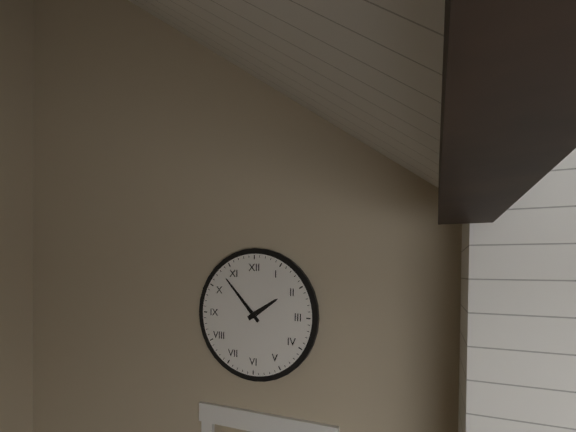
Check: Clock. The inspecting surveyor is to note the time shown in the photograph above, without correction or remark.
1:53
